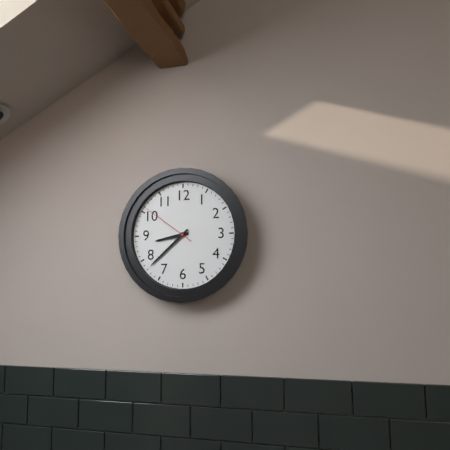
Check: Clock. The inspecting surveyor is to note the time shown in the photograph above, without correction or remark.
8:38:51
